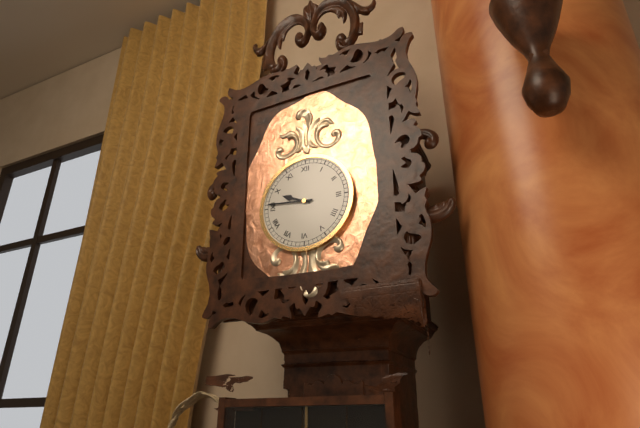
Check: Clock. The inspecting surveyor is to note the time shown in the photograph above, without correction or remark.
9:46
